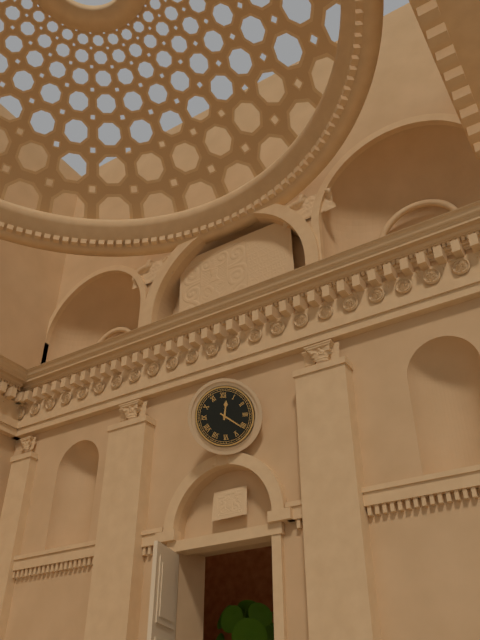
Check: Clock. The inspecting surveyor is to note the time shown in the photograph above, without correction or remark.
12:21
